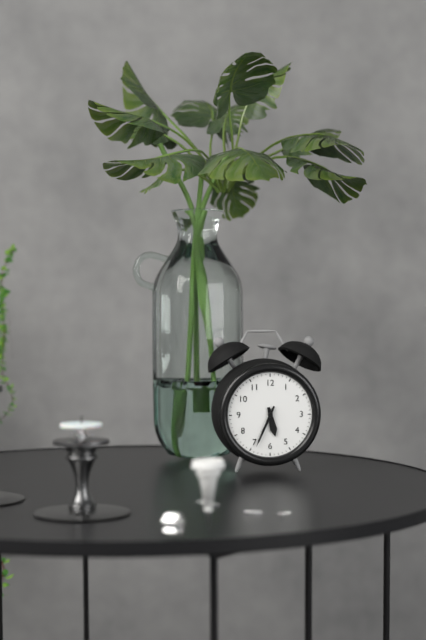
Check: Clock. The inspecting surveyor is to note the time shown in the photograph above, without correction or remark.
5:34
